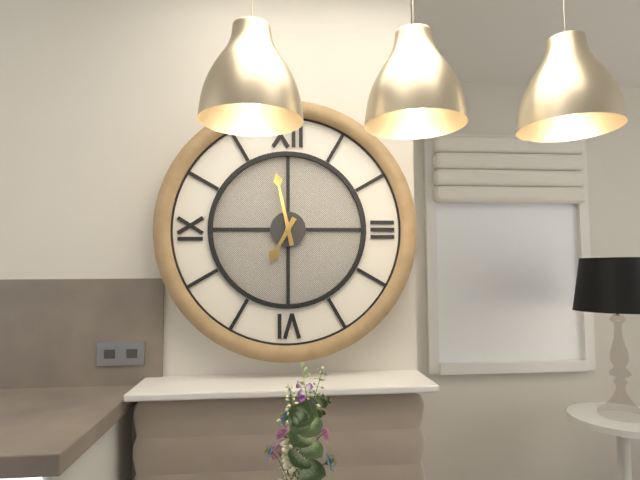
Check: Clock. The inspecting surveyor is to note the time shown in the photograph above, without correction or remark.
6:58
